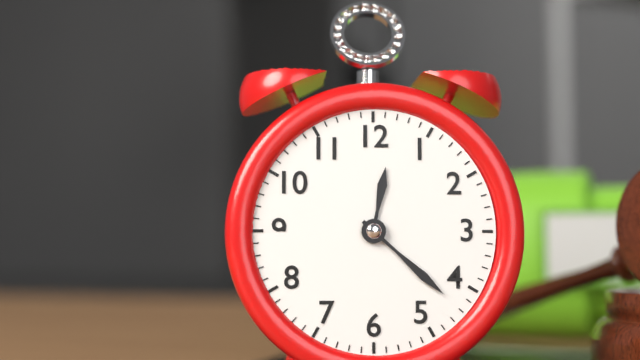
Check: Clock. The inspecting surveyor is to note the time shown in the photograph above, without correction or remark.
12:22
